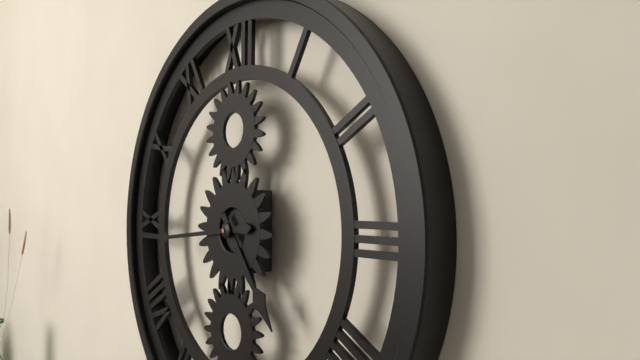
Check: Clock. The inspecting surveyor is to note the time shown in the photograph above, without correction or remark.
4:44
